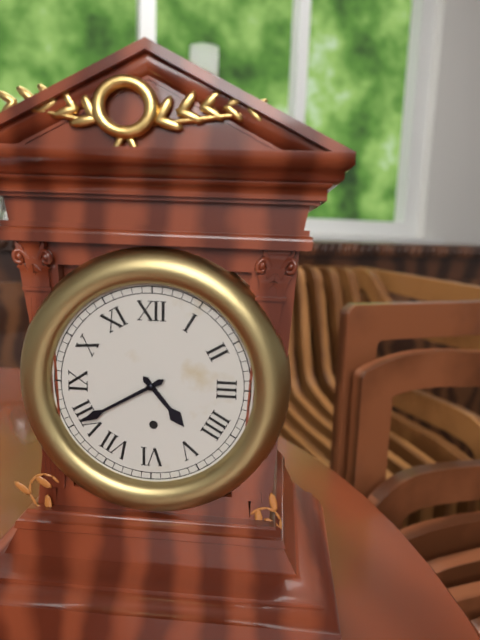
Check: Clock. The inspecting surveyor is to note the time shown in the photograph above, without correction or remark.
4:40
